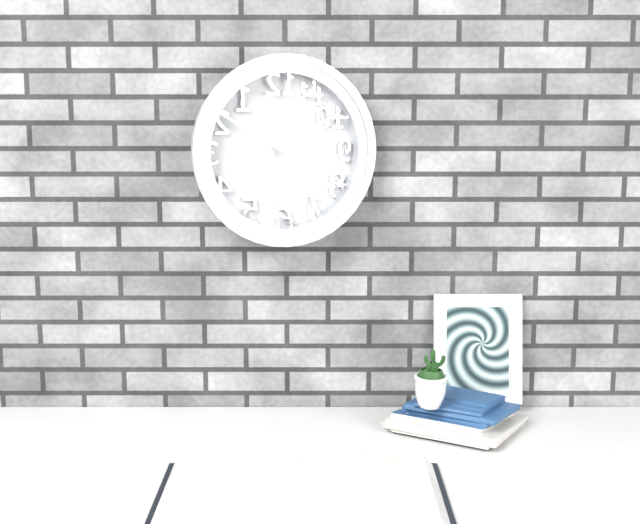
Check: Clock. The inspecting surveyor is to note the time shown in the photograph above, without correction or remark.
5:50
